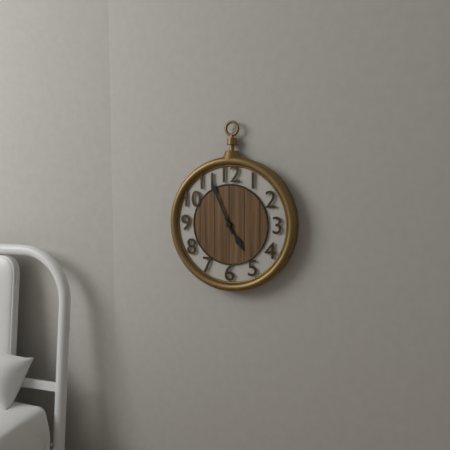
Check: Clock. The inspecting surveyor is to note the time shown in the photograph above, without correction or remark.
4:56
